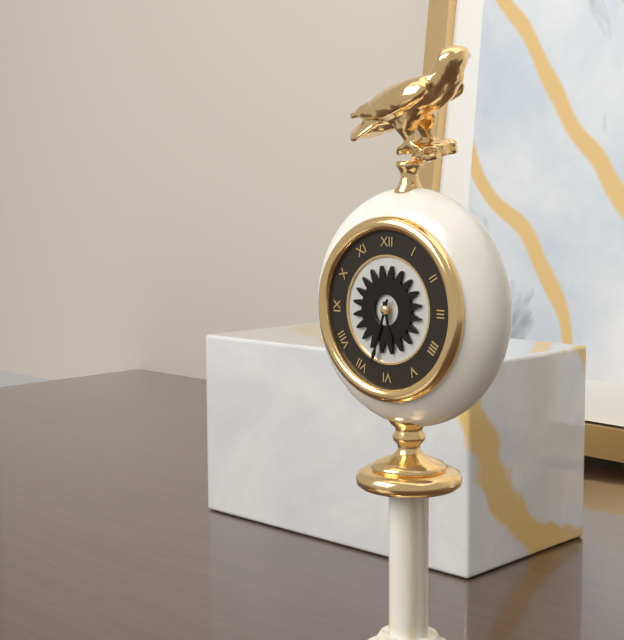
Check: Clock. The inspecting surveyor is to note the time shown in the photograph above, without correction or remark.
5:33
